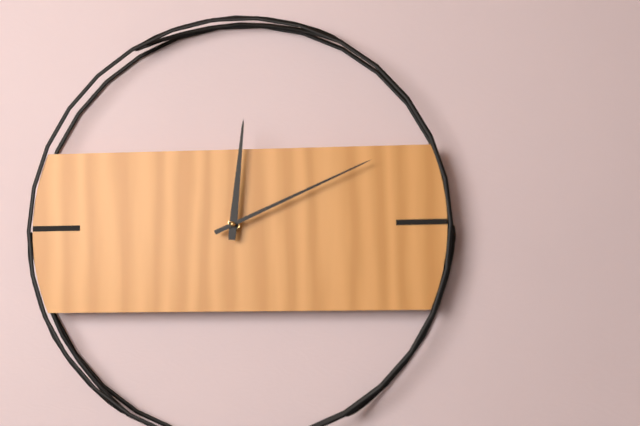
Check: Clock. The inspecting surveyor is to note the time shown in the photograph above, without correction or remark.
12:11
